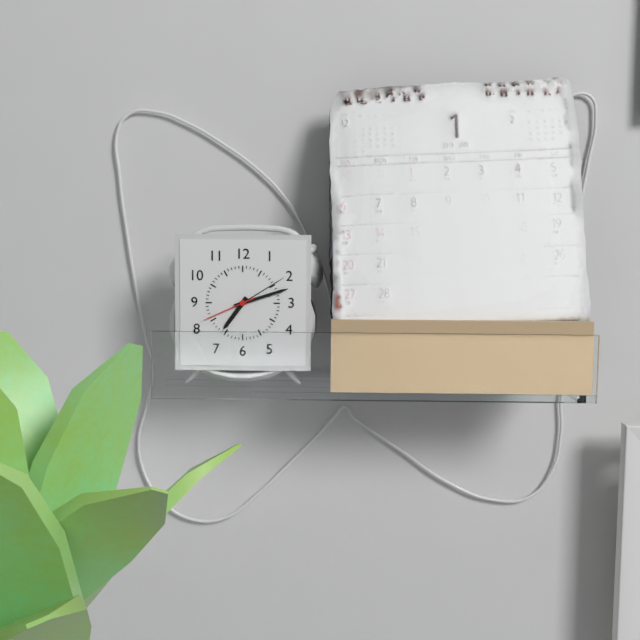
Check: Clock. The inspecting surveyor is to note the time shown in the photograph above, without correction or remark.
7:12:41
